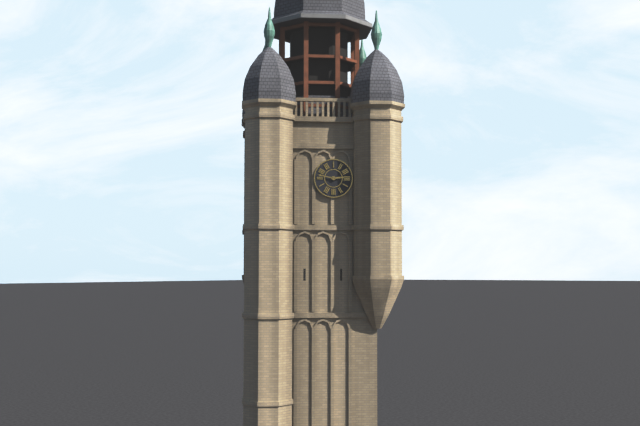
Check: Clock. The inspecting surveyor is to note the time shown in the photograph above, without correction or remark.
2:47
